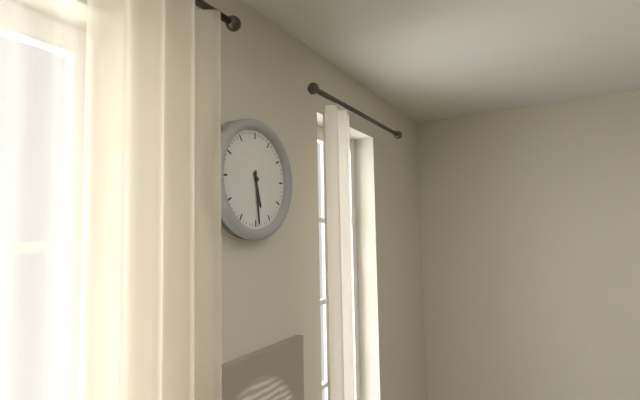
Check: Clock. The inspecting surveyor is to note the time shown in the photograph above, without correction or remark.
5:29
